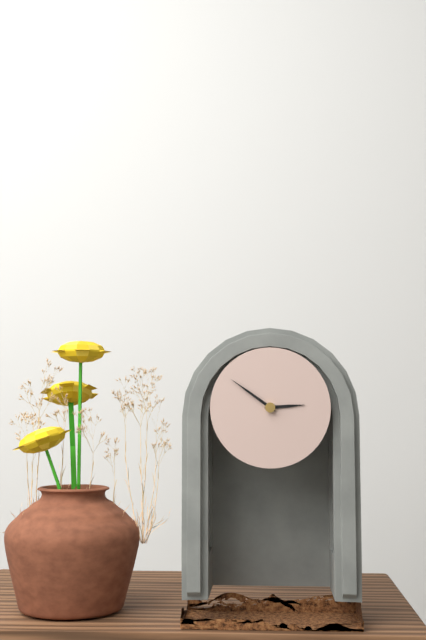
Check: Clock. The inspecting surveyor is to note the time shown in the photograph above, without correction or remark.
2:51
